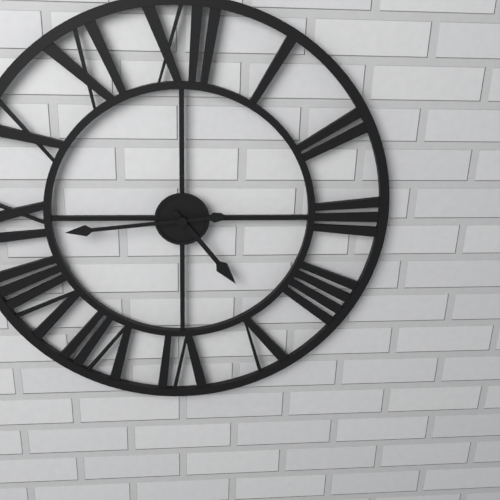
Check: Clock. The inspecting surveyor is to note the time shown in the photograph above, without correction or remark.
4:44
